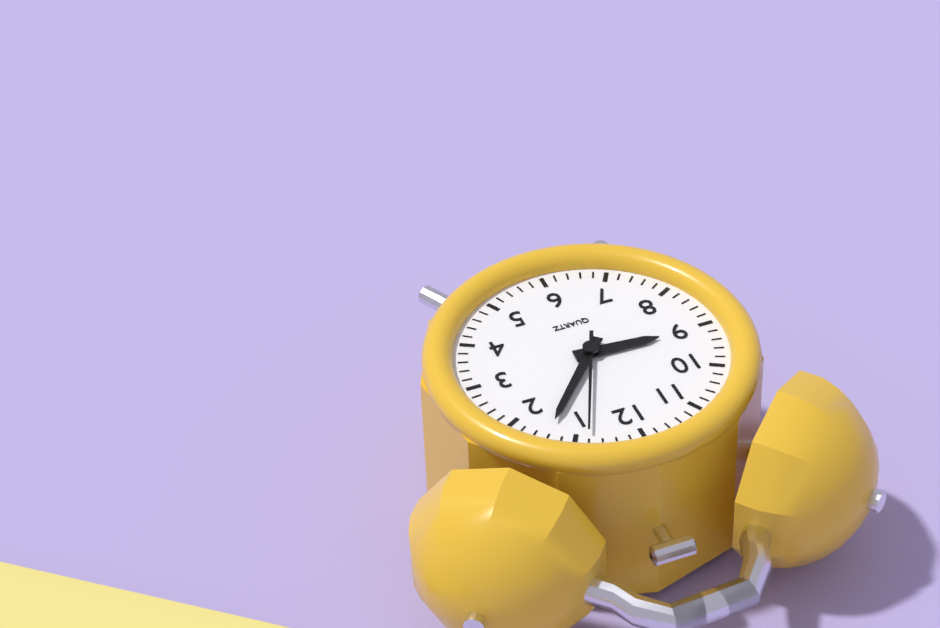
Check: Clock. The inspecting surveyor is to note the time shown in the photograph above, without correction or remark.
9:07:04
